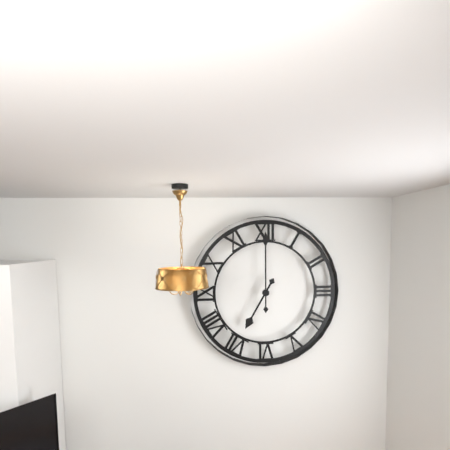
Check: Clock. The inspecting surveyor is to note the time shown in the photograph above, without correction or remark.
7:00
